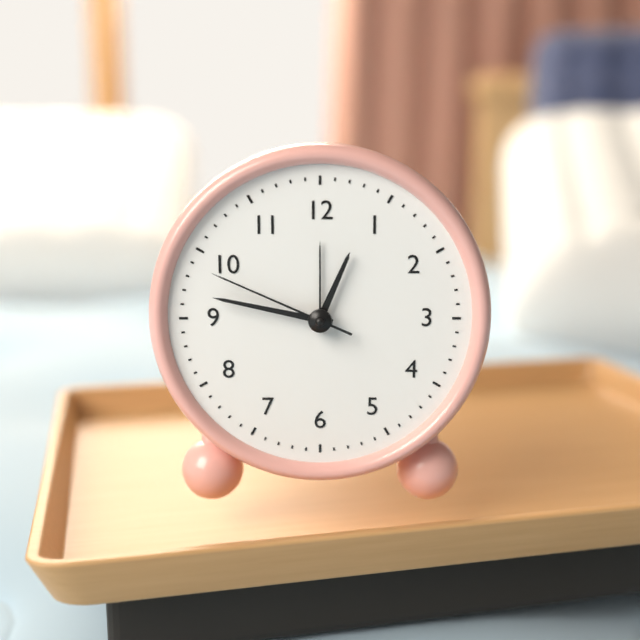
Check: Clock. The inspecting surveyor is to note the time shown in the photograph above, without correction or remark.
12:47:49
